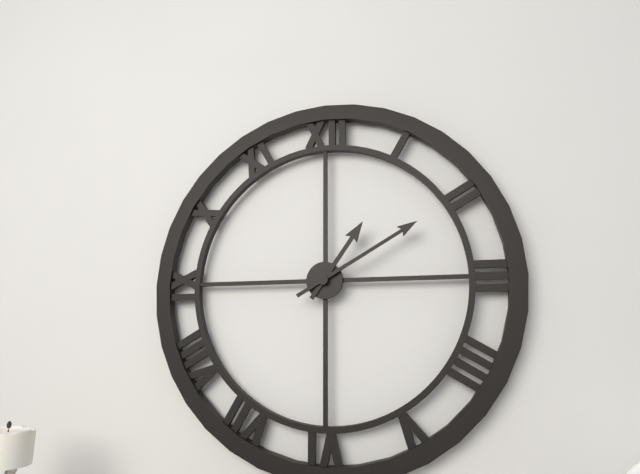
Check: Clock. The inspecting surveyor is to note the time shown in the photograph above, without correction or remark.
1:10
